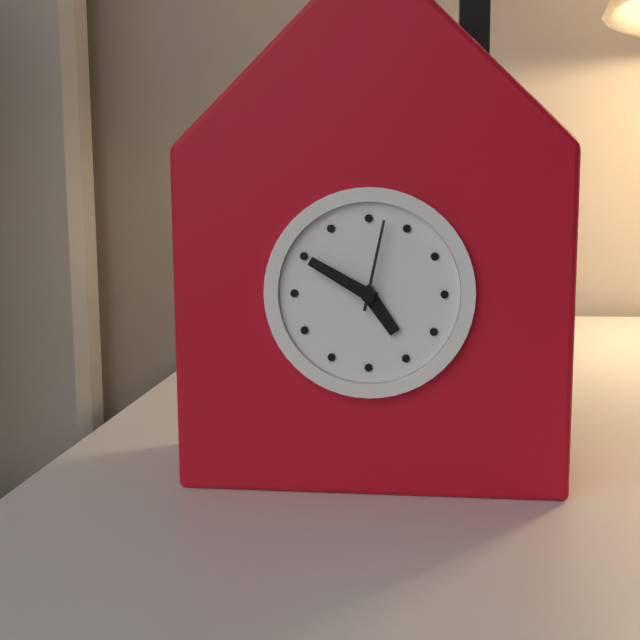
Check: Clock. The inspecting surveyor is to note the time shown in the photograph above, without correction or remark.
4:50:02
